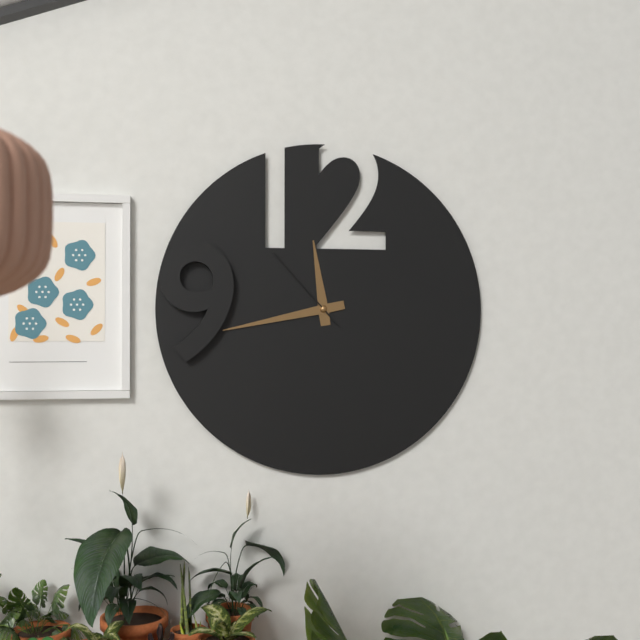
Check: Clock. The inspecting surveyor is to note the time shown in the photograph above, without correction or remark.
11:43:53
